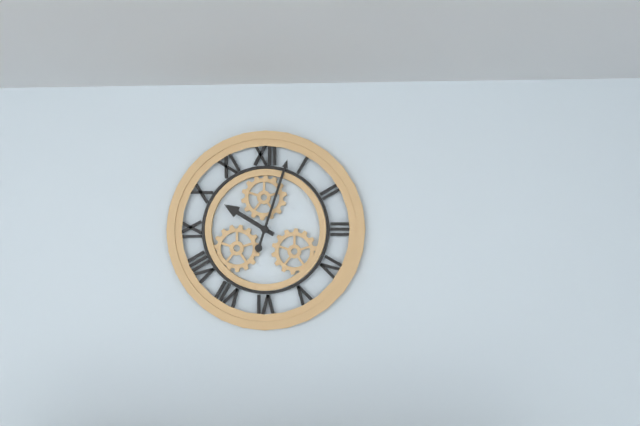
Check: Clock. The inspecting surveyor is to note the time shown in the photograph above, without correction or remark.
10:03
